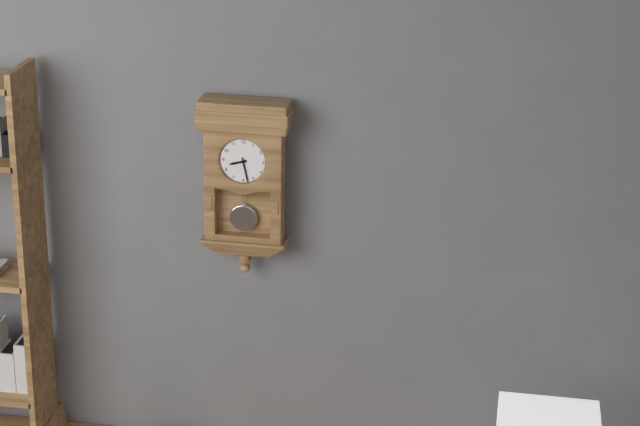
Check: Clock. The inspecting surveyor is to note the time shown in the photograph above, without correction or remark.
8:28
